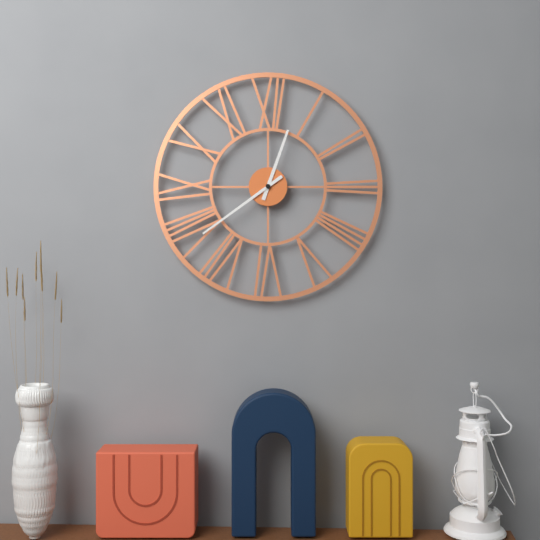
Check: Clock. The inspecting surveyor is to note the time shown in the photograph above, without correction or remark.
12:39
